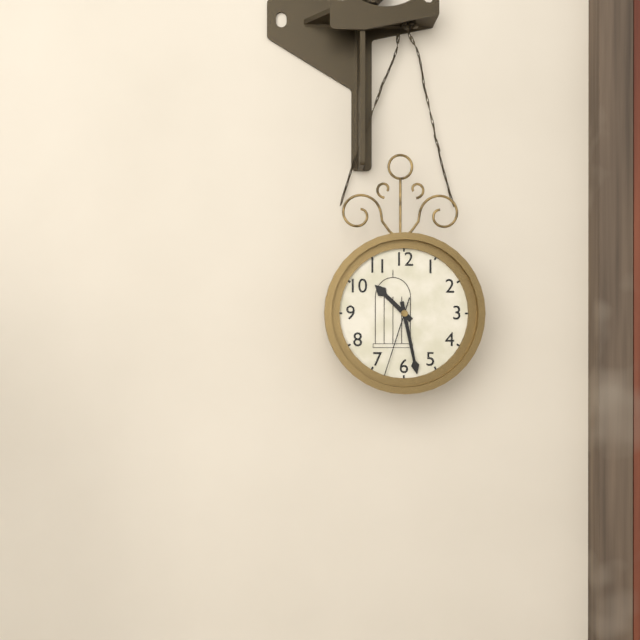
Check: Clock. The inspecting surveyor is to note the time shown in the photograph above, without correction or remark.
10:28:33
